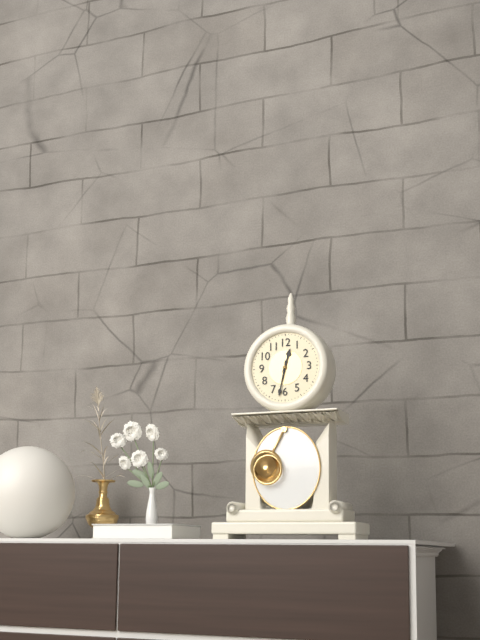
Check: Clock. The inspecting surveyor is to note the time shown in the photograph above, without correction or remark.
12:32
